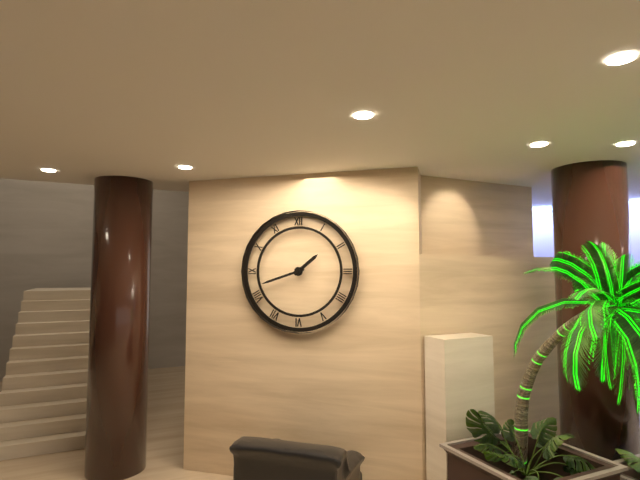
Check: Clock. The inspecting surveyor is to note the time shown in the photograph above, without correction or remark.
1:42
